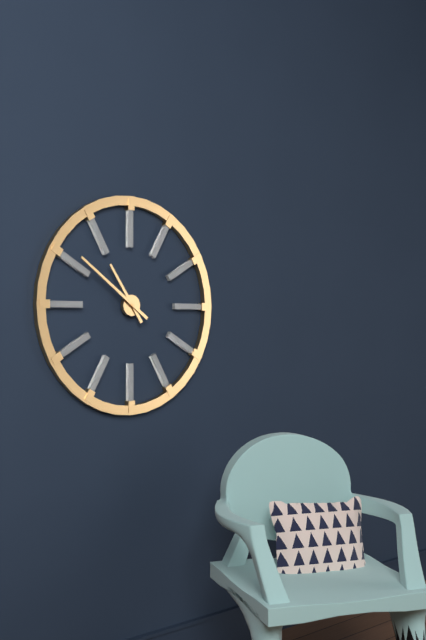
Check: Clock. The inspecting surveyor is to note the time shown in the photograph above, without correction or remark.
10:51
